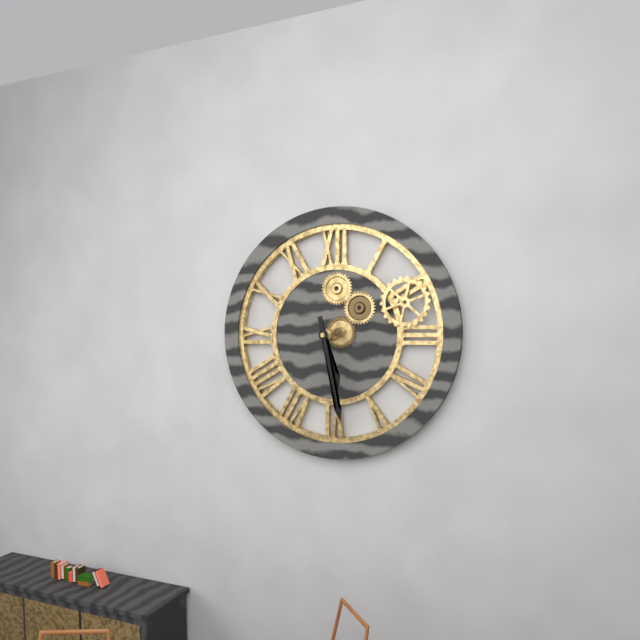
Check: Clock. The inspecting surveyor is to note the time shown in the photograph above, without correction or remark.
5:28
